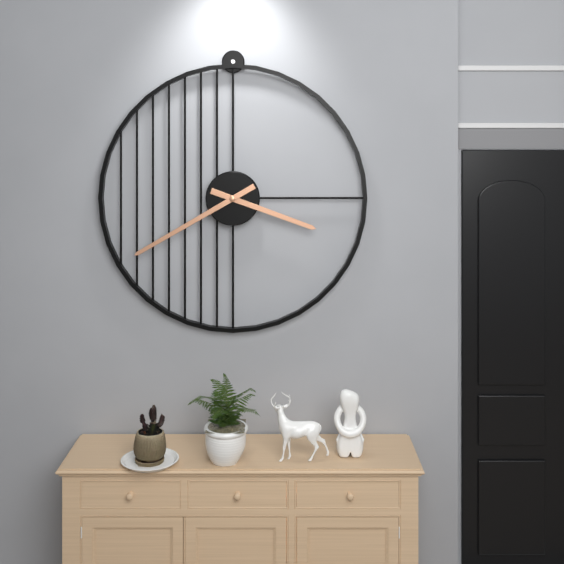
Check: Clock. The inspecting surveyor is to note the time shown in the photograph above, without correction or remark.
3:40
